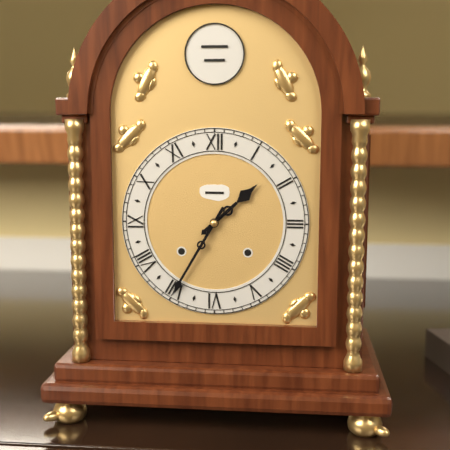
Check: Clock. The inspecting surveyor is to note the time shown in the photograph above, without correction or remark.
1:35
